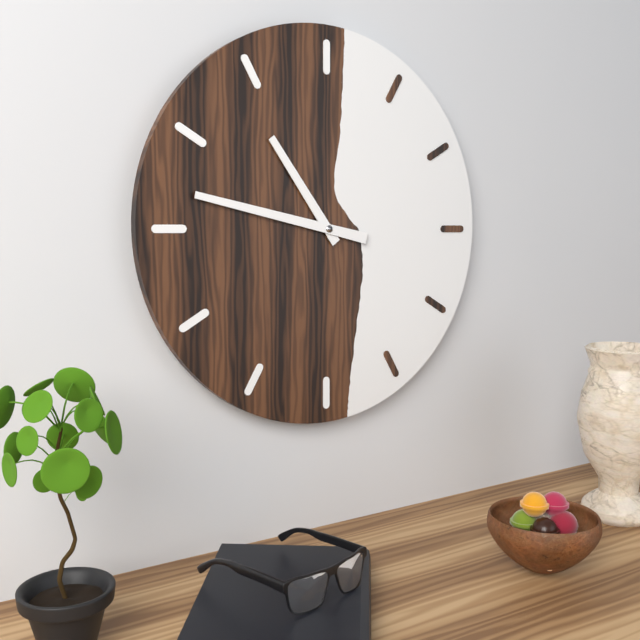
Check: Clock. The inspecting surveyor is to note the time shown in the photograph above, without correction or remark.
10:47
